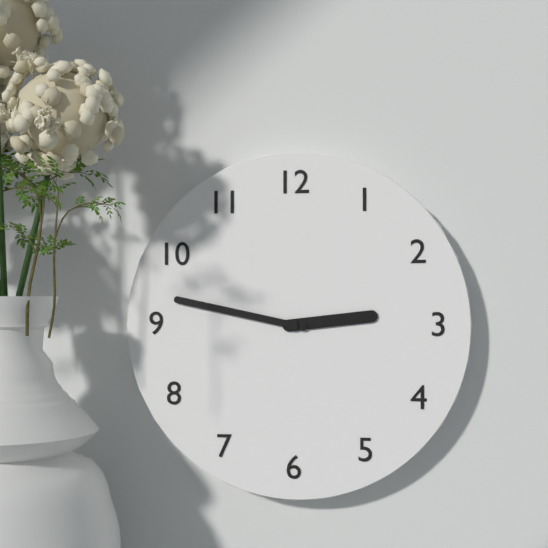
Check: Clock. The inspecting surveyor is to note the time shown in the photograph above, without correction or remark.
2:47
